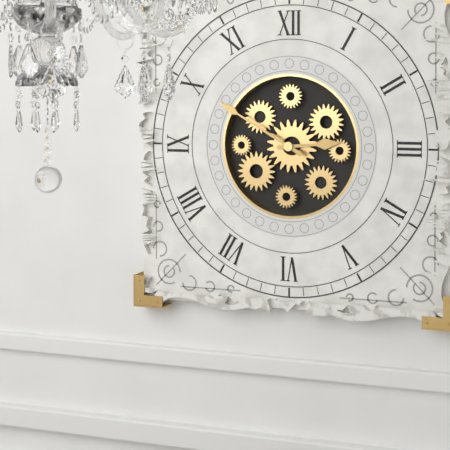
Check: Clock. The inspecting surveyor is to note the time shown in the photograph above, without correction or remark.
2:50
